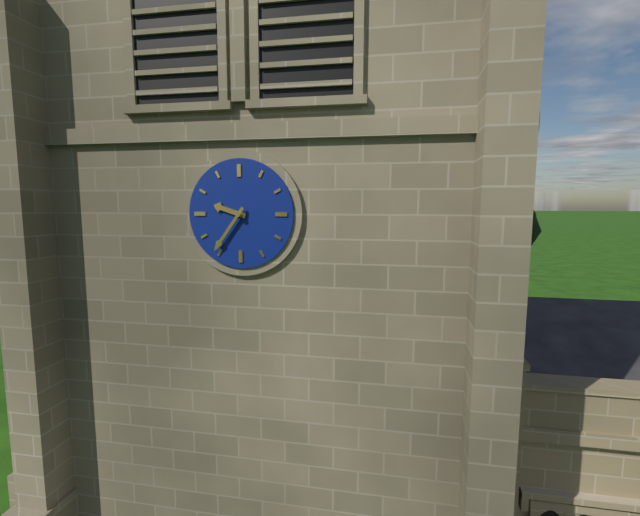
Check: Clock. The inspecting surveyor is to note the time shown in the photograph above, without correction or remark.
9:36
